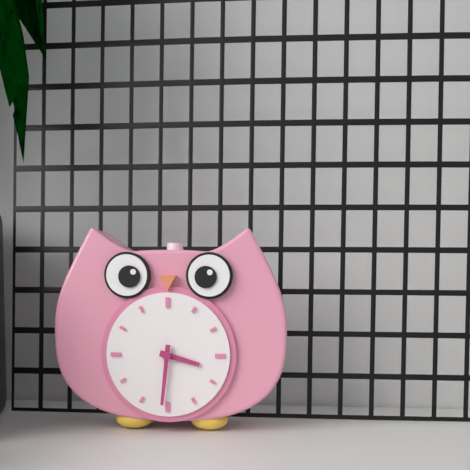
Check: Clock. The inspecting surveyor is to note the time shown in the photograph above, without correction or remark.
3:31
